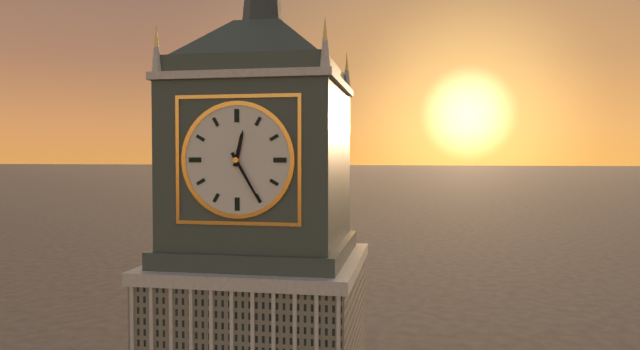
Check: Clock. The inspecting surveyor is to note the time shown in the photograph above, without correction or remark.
12:25
